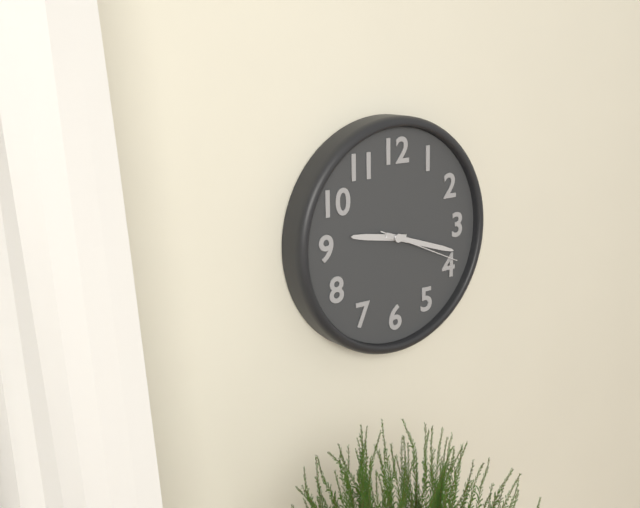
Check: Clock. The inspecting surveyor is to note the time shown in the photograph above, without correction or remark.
9:18:19
